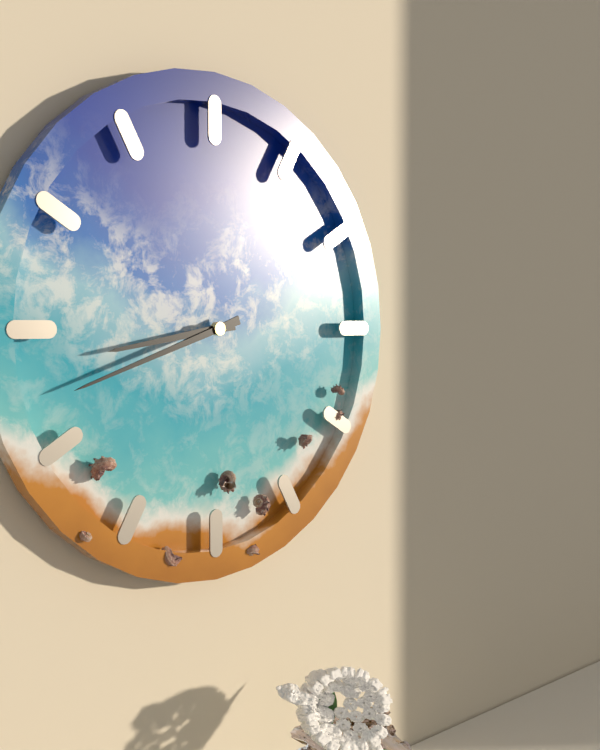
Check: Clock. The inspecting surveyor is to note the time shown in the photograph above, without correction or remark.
8:42
